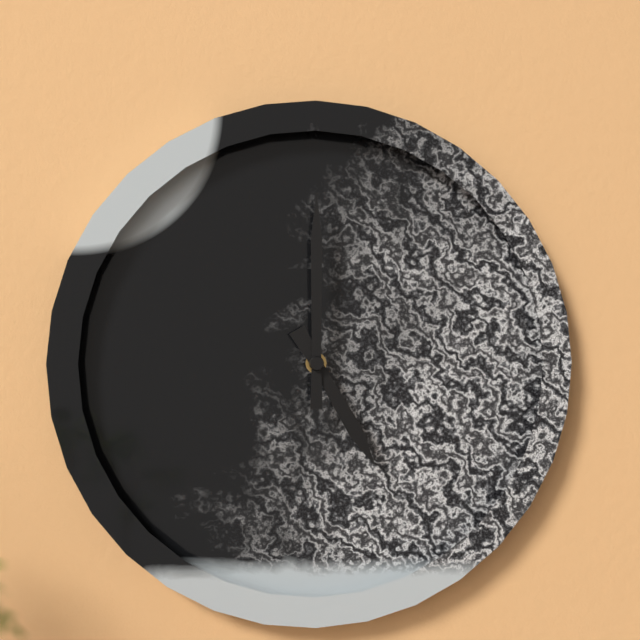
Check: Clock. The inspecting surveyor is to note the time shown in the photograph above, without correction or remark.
5:00
